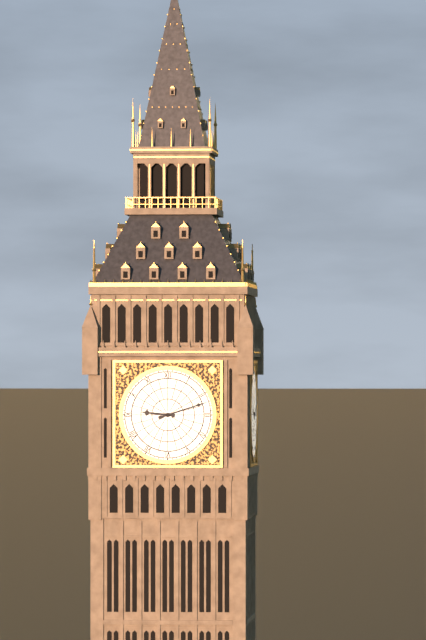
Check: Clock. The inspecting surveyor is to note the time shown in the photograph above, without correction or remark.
9:12
